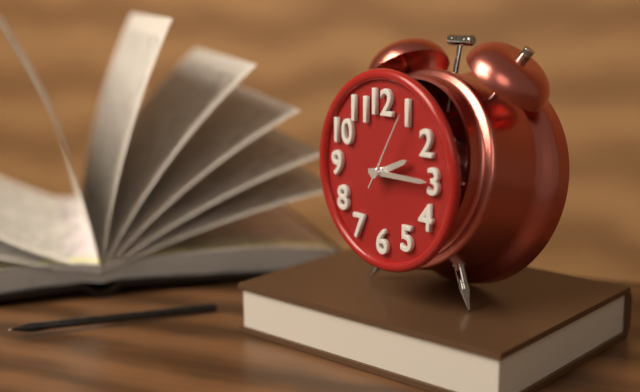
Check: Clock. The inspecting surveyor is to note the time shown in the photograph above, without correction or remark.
2:15:05
